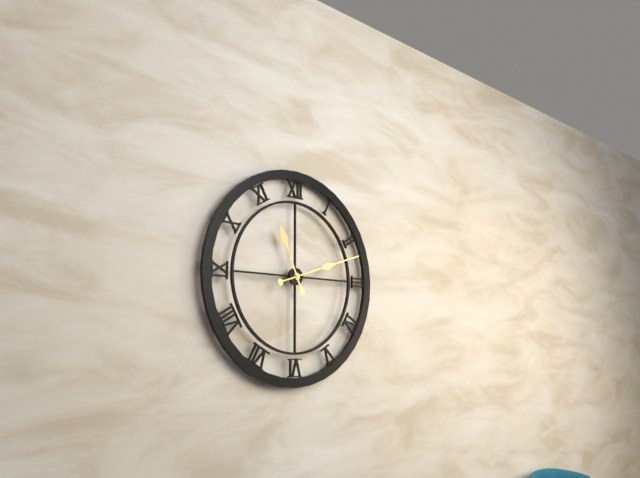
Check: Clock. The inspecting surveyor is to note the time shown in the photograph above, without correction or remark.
11:12
